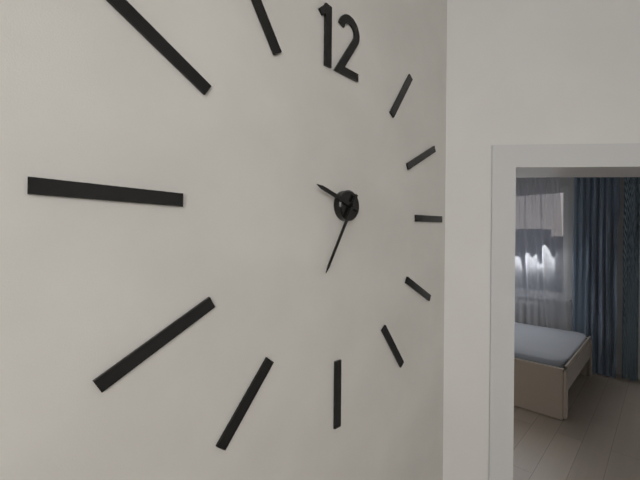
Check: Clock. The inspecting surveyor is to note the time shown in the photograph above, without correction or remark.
9:35
